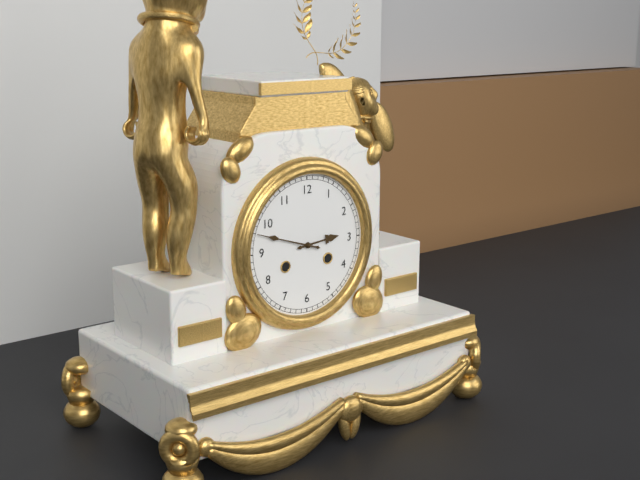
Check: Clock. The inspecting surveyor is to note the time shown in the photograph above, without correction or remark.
2:48
